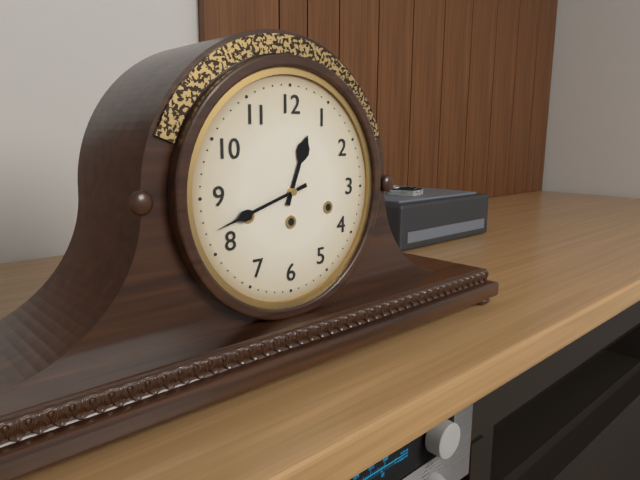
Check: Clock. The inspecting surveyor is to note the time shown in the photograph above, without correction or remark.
12:42
